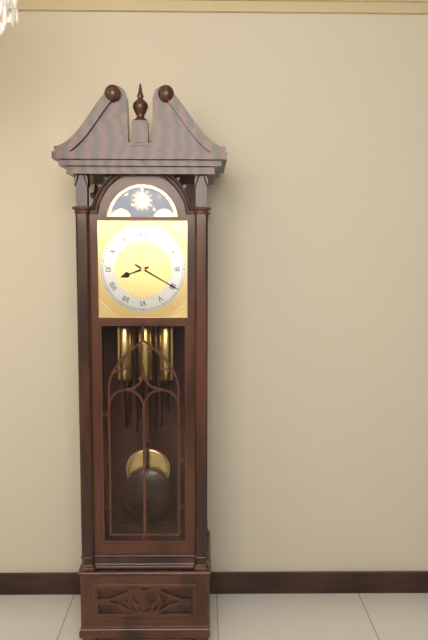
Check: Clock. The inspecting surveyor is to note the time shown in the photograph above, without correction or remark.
8:20
